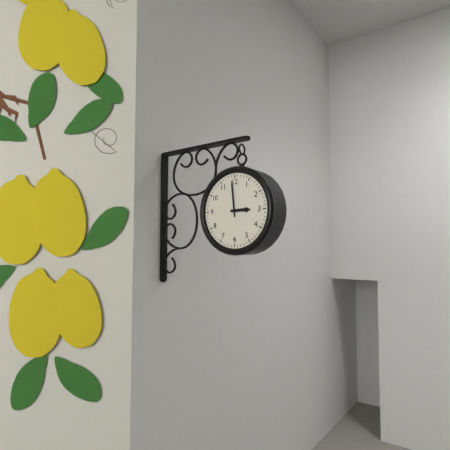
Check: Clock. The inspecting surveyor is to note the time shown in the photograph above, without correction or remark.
2:59
